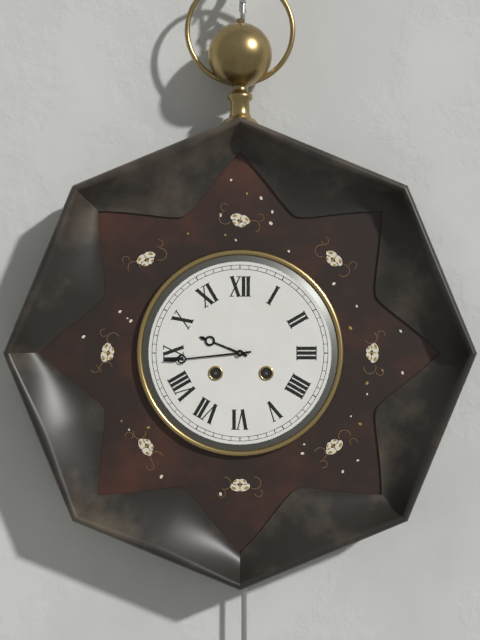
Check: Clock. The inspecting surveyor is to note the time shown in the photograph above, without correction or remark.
9:44
